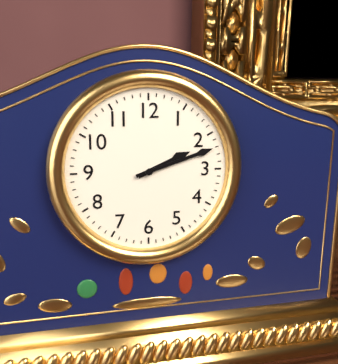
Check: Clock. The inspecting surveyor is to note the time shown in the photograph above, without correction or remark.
2:12
